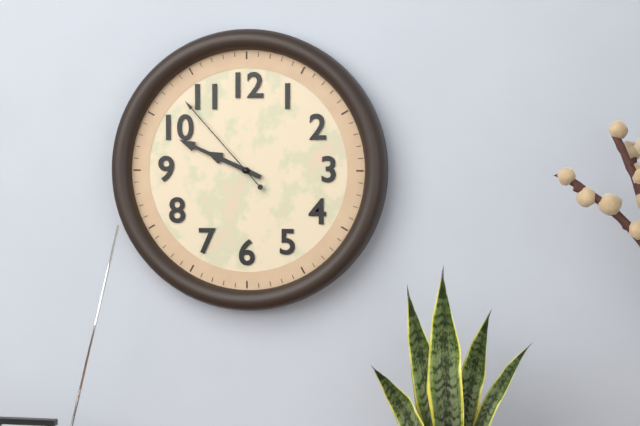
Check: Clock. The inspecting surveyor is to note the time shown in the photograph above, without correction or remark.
9:49:53
